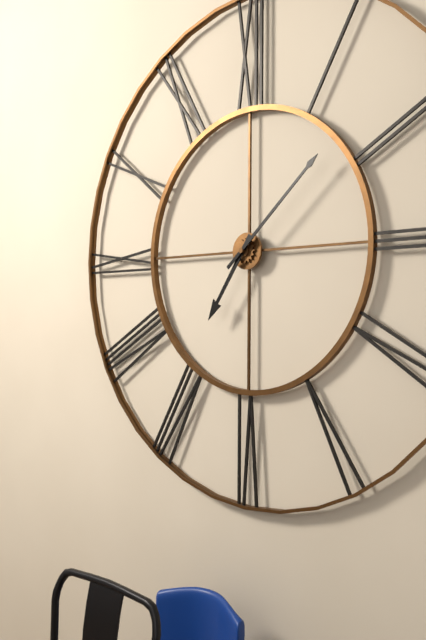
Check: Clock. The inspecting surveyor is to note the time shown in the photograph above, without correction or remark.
7:08
